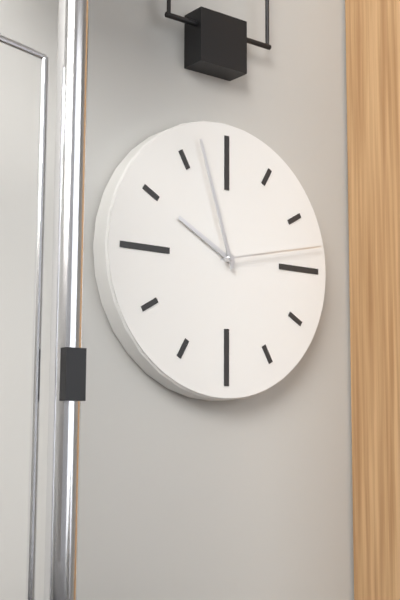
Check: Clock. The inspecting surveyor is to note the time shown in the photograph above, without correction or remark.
9:57:13
